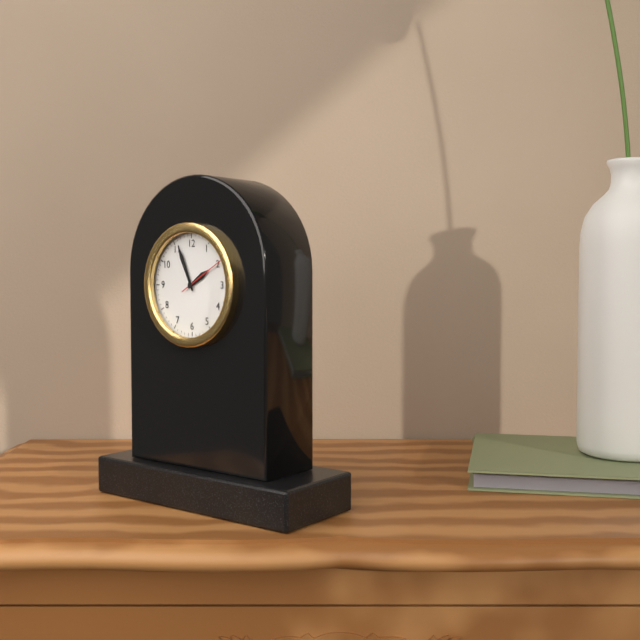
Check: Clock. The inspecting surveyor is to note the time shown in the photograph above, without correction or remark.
1:56:10
